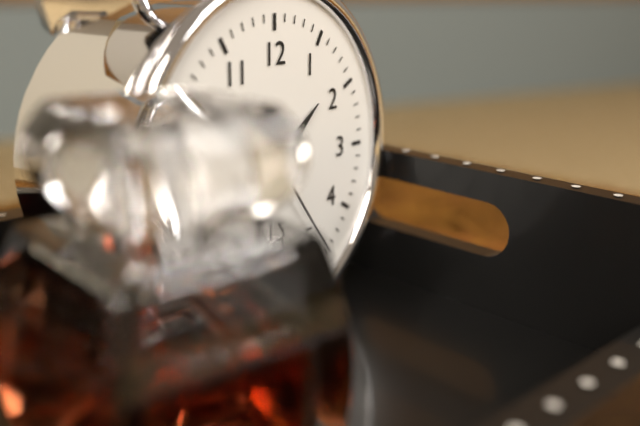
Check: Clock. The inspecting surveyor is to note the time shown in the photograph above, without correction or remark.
1:42:24
